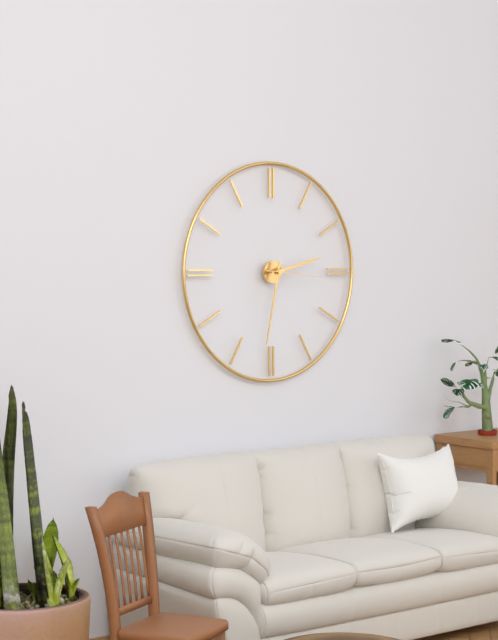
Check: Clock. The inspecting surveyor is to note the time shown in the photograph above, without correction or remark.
2:32:16
